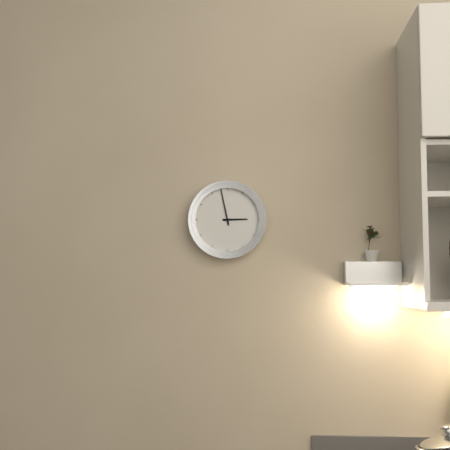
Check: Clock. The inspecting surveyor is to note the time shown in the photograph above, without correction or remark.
2:58
